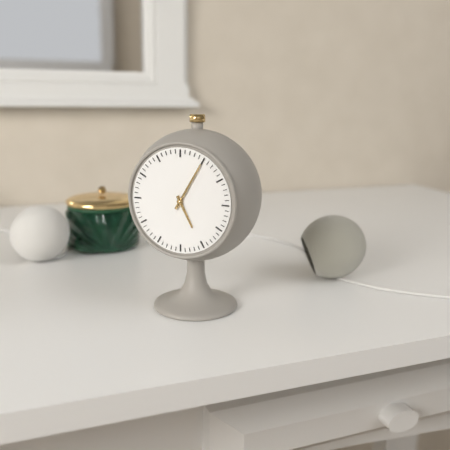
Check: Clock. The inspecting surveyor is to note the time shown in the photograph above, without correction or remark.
5:05
